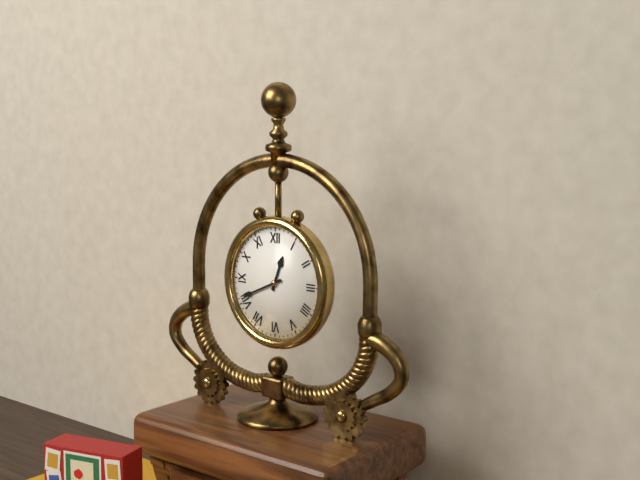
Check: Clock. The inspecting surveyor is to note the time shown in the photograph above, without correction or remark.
12:41
